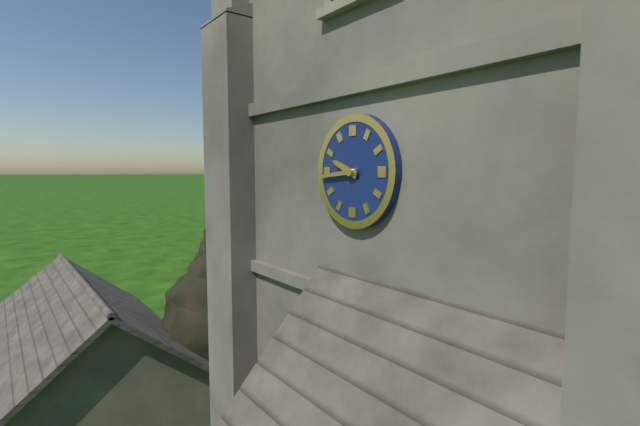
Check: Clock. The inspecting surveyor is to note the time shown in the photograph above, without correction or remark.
9:44
